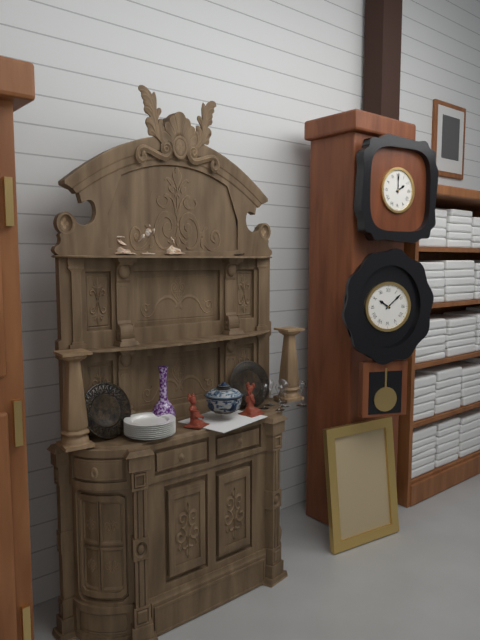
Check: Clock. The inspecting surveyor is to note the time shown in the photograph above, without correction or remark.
2:00
